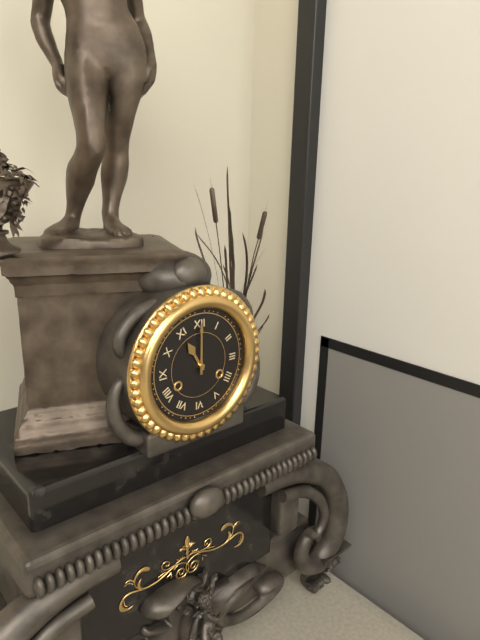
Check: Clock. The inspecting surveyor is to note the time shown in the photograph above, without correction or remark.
11:00
